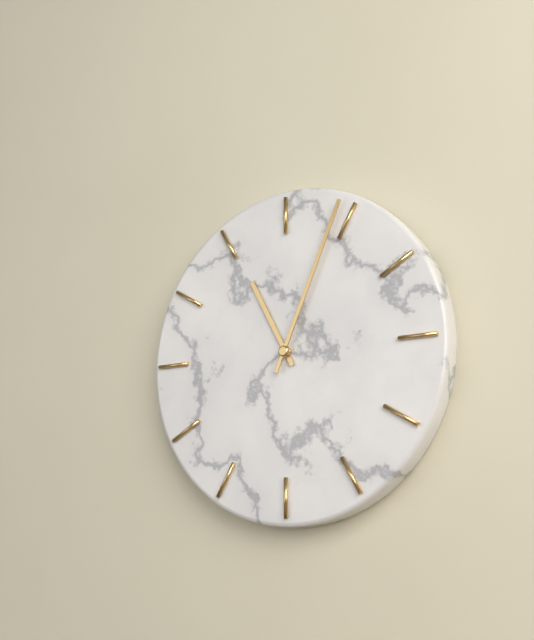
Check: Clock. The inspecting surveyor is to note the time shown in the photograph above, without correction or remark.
11:04
